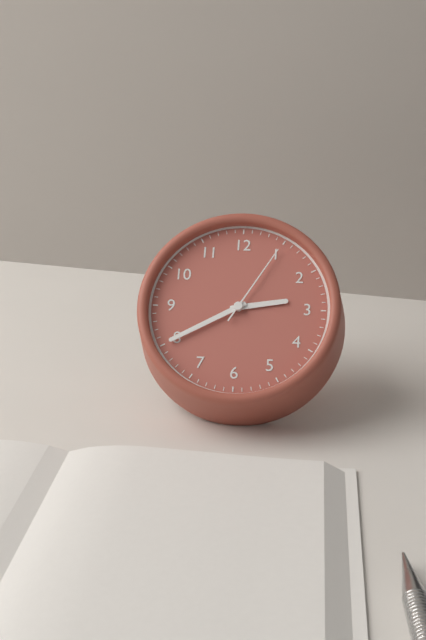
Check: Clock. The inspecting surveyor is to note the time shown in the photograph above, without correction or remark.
2:40:05
